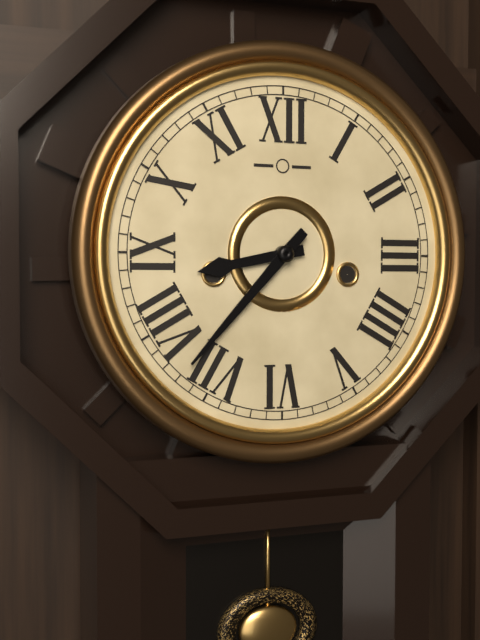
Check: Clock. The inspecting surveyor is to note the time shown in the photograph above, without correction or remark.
8:37
